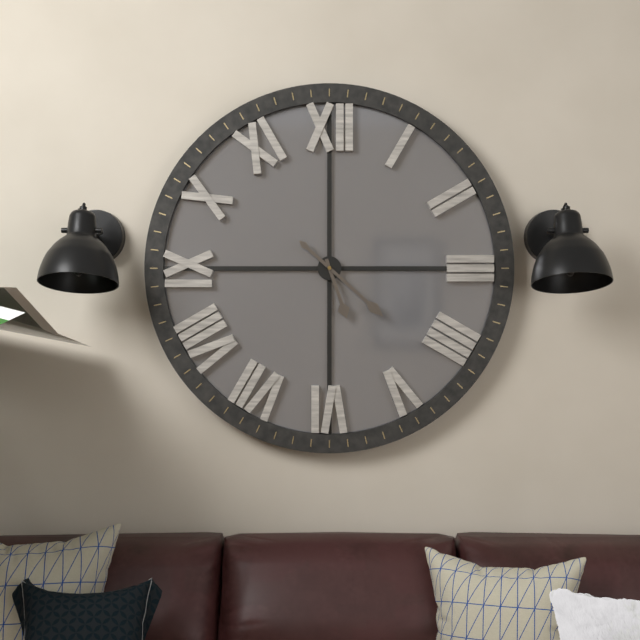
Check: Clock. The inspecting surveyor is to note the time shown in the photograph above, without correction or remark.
5:22
